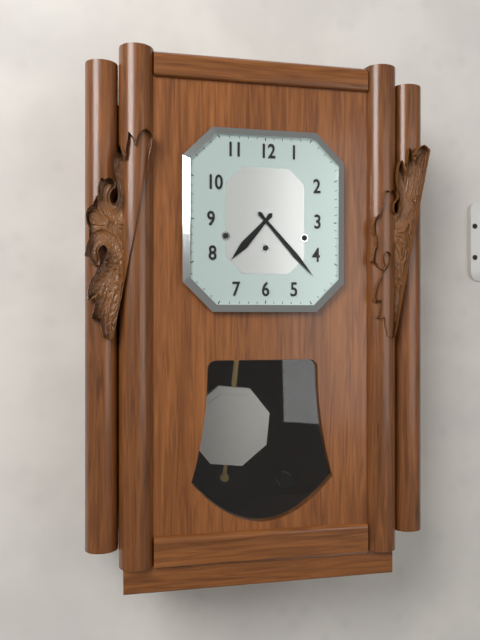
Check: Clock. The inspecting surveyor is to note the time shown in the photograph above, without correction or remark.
7:23
